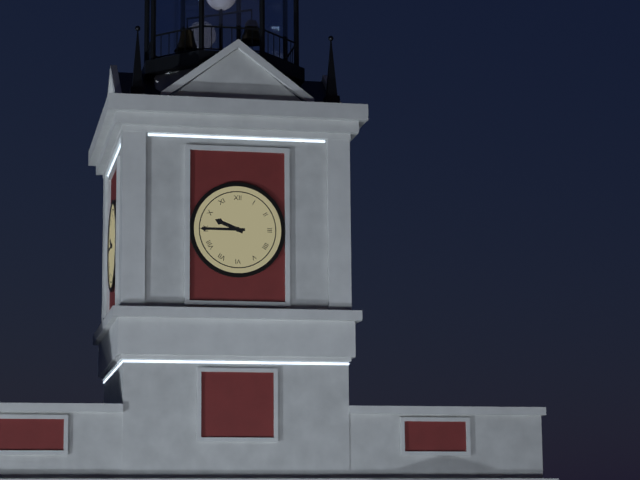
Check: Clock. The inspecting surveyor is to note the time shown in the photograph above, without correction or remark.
9:45
